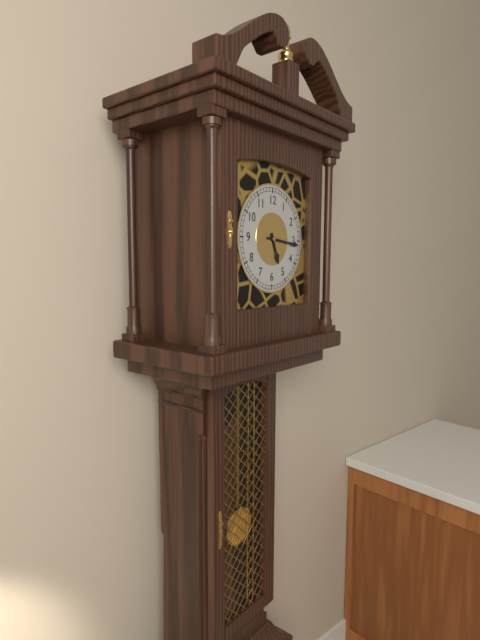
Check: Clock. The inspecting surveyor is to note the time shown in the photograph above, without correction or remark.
5:16
